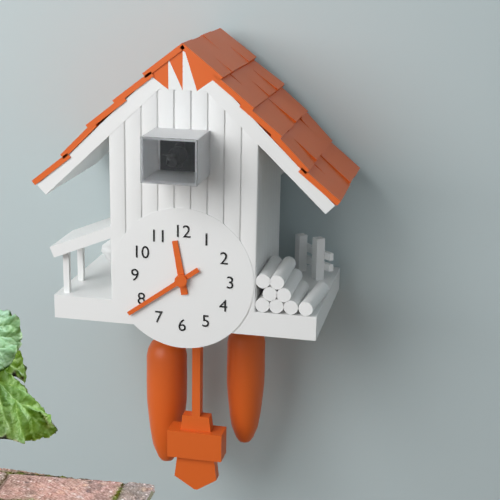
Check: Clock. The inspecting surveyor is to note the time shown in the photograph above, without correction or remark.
11:39
